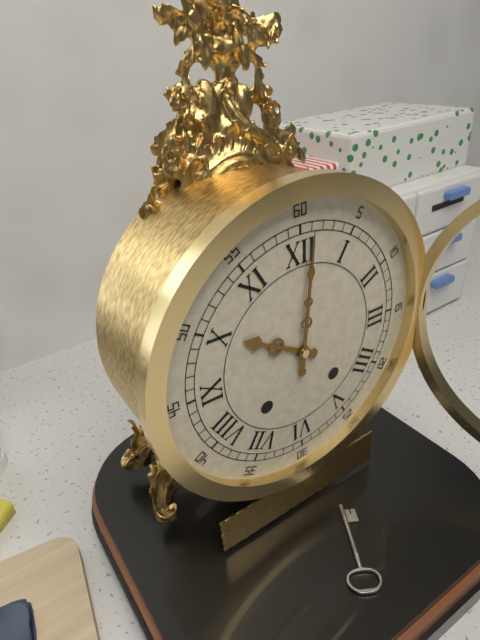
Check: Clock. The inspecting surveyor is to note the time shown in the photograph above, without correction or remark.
10:01
